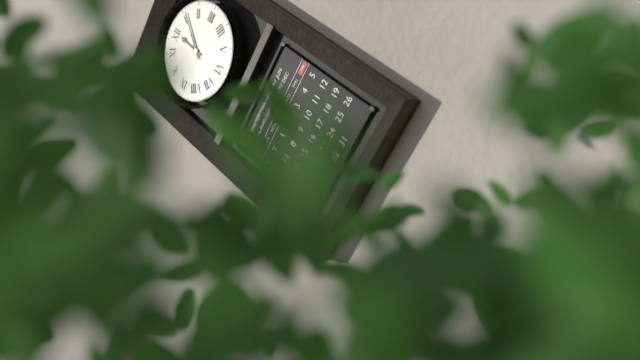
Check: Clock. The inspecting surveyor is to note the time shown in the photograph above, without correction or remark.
12:06
